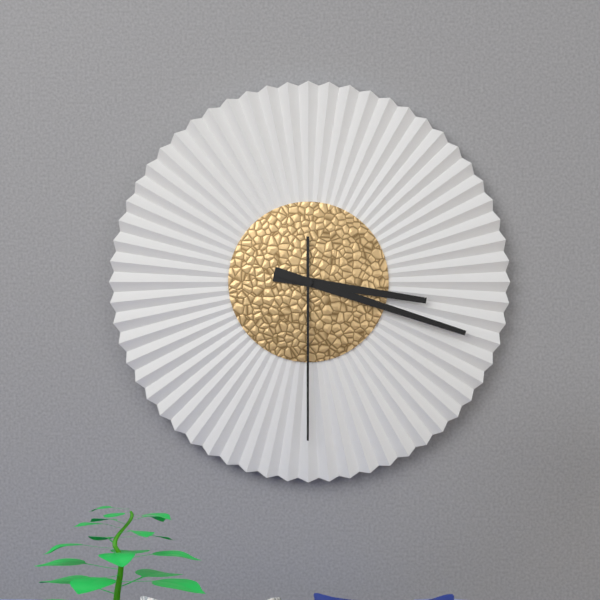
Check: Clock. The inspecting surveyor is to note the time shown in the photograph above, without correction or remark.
3:18:30
